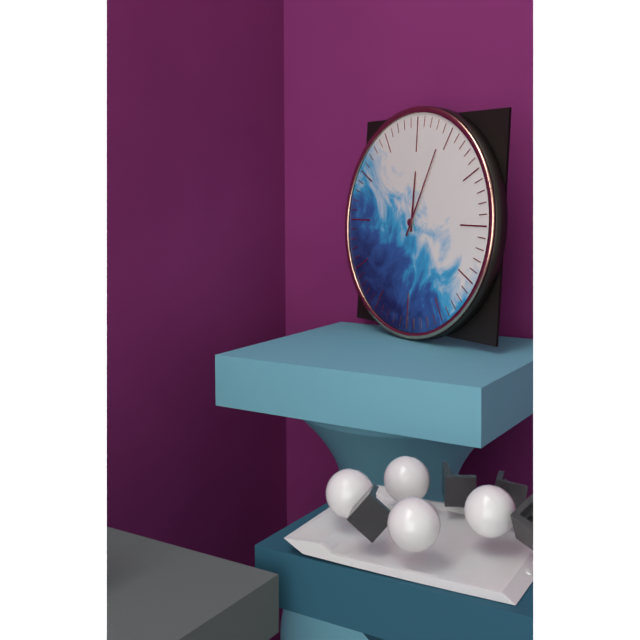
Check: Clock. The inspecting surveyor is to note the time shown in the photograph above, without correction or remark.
12:04
